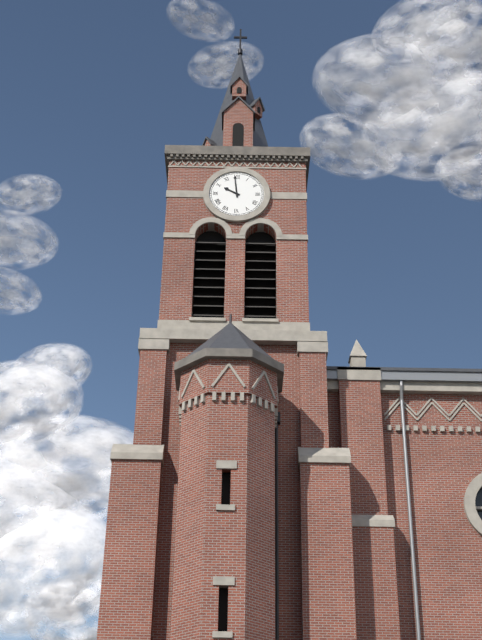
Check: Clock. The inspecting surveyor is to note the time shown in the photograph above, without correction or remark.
9:59
